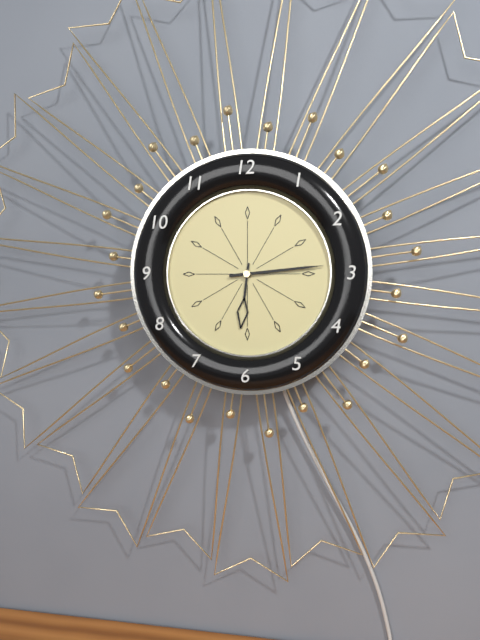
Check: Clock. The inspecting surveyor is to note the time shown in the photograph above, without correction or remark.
6:14
